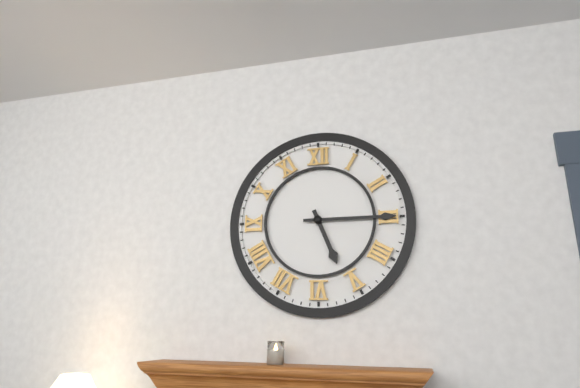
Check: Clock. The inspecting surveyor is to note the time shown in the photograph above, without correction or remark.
5:15
